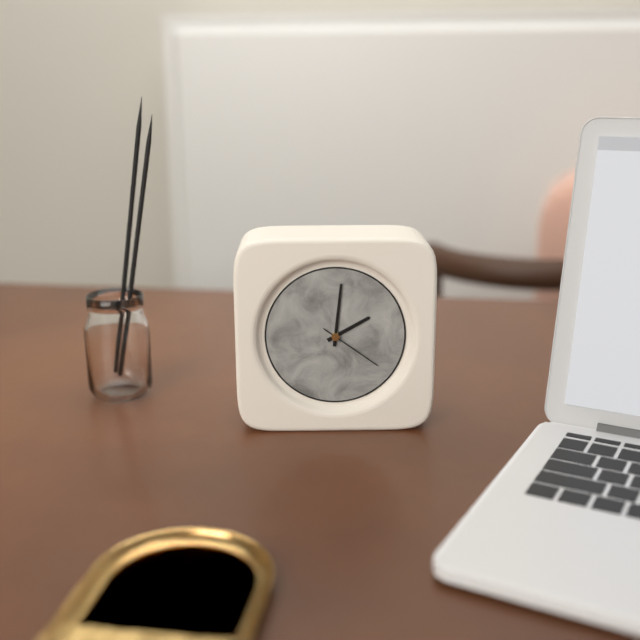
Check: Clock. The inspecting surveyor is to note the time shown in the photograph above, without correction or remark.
2:01:21
